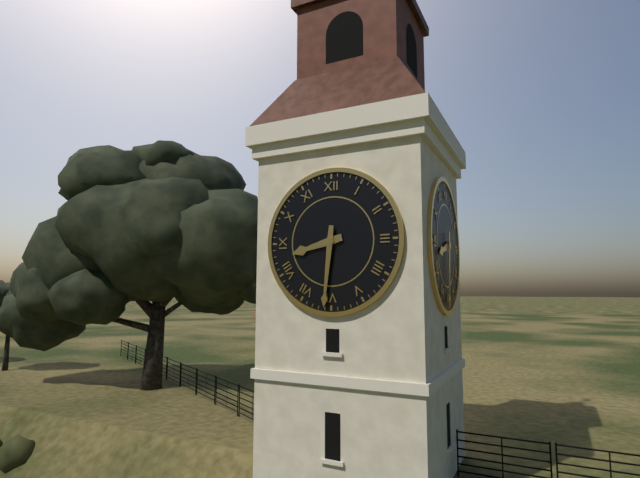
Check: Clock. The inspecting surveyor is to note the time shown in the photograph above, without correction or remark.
8:31
